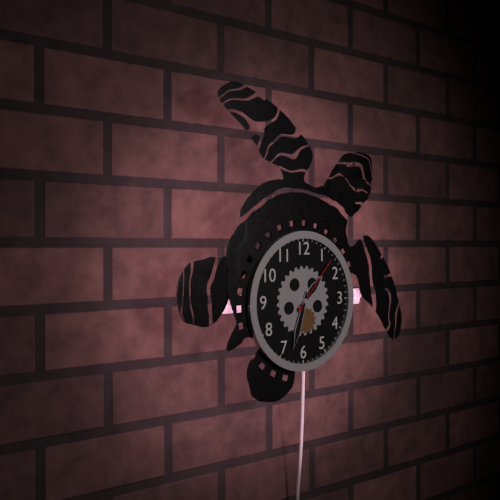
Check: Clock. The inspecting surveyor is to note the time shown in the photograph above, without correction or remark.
1:33:07
